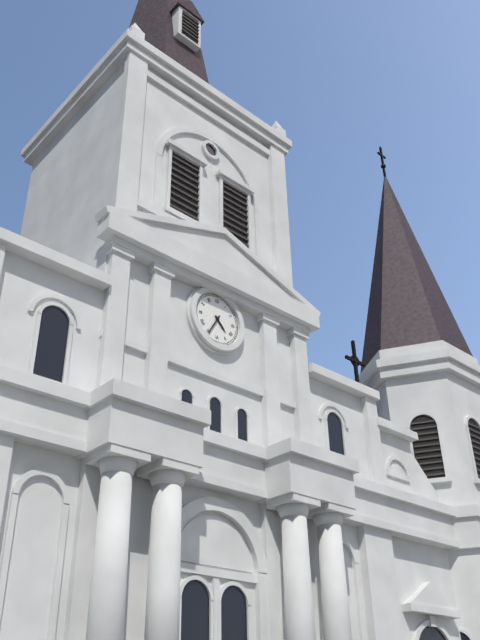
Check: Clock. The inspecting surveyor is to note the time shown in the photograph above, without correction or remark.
4:35
